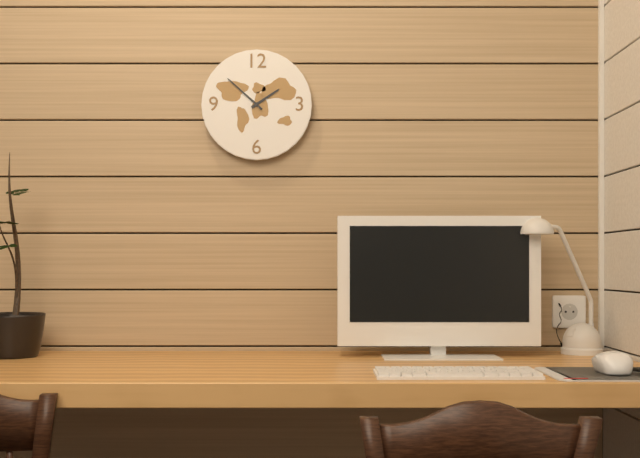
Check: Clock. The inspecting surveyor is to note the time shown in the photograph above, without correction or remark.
1:52
